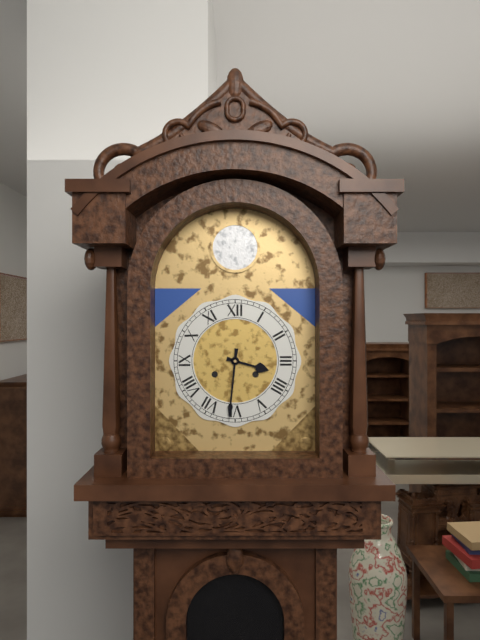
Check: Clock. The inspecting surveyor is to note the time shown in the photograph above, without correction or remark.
3:31
